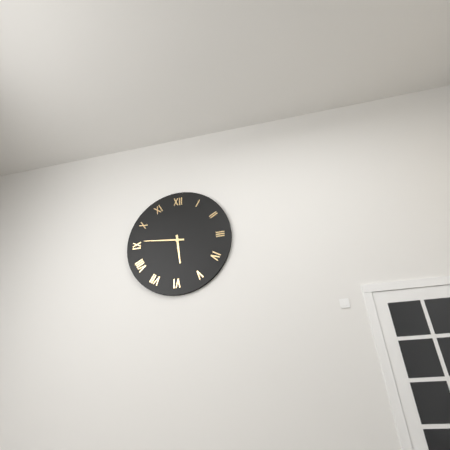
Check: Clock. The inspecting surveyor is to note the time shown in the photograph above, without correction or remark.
5:46
